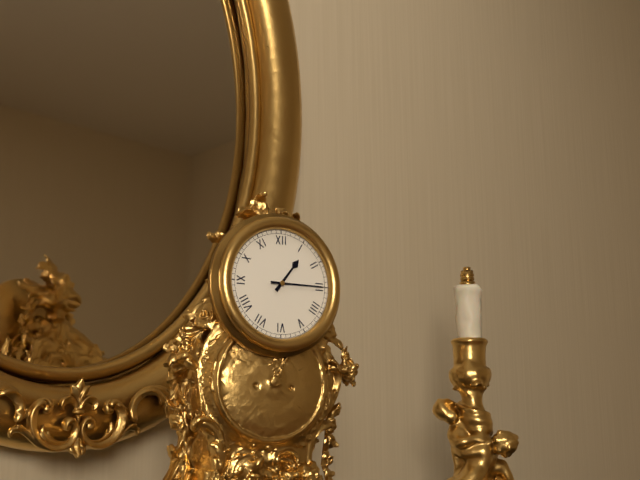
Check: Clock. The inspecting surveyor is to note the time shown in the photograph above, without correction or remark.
1:15
